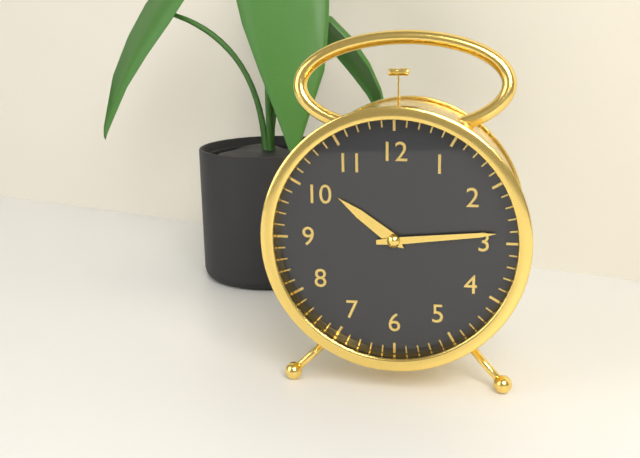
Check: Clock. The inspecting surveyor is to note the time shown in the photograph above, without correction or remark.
10:14
